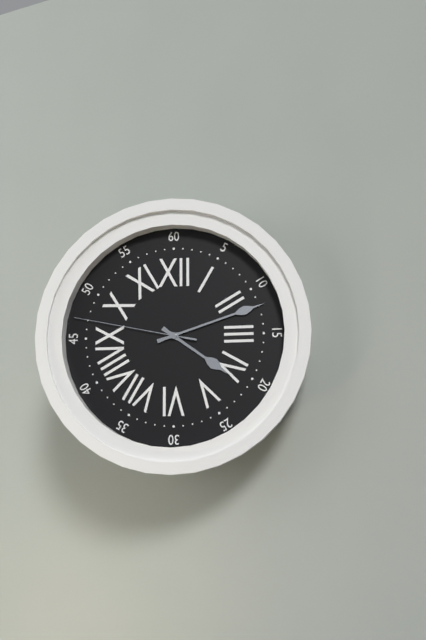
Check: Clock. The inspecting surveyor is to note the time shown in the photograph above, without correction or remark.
4:12:47
